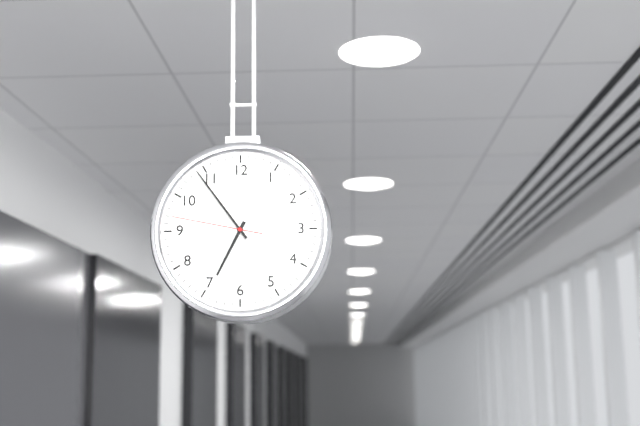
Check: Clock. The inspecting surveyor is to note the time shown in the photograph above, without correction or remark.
6:54:47
